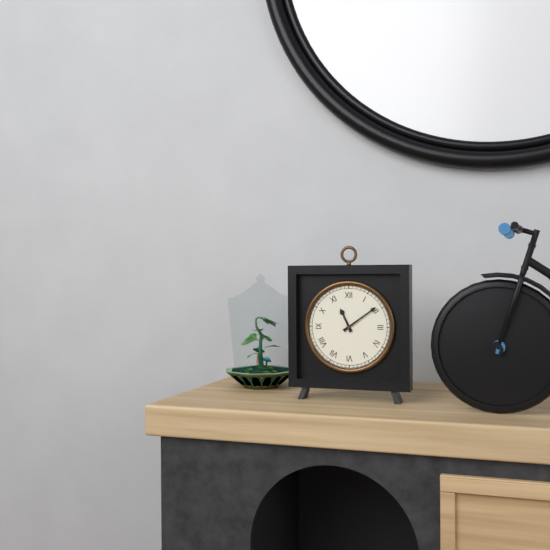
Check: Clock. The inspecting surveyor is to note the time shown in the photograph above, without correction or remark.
11:09
